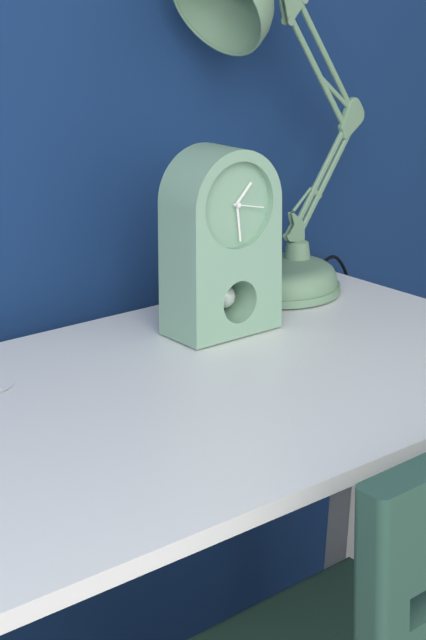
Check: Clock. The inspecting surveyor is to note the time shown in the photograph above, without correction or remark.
1:29
